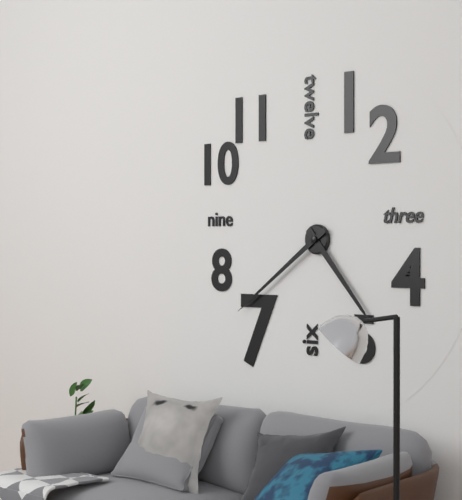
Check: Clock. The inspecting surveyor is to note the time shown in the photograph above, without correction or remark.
4:39
